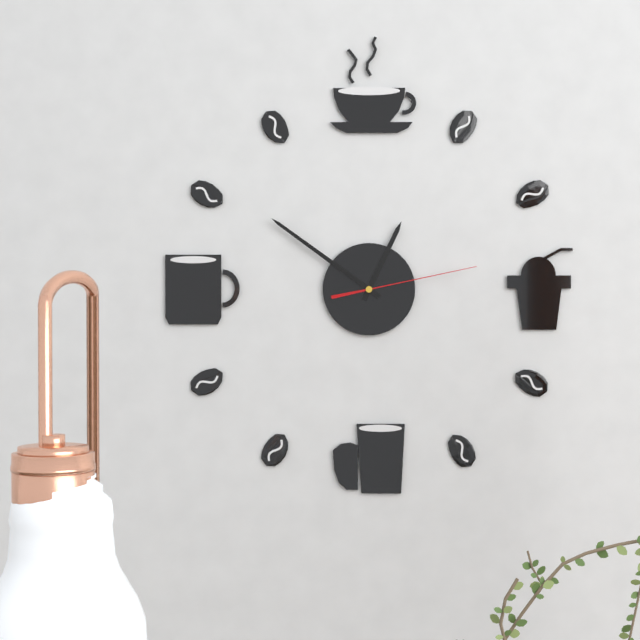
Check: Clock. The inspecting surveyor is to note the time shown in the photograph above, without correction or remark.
12:51:13
